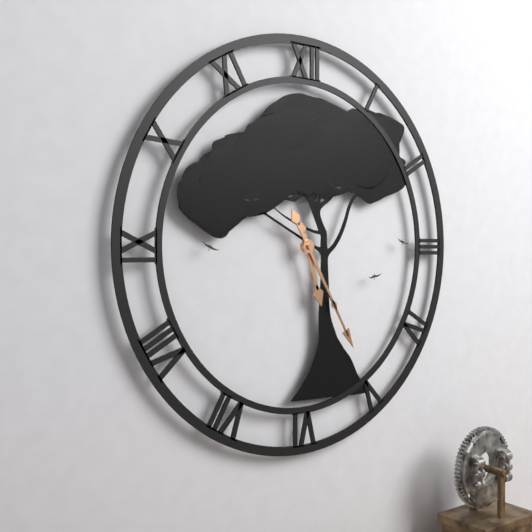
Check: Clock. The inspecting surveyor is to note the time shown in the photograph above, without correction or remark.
5:25
